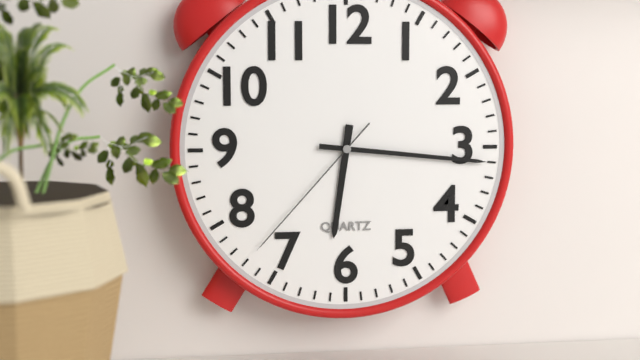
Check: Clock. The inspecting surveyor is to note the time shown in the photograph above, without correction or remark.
6:16:37
